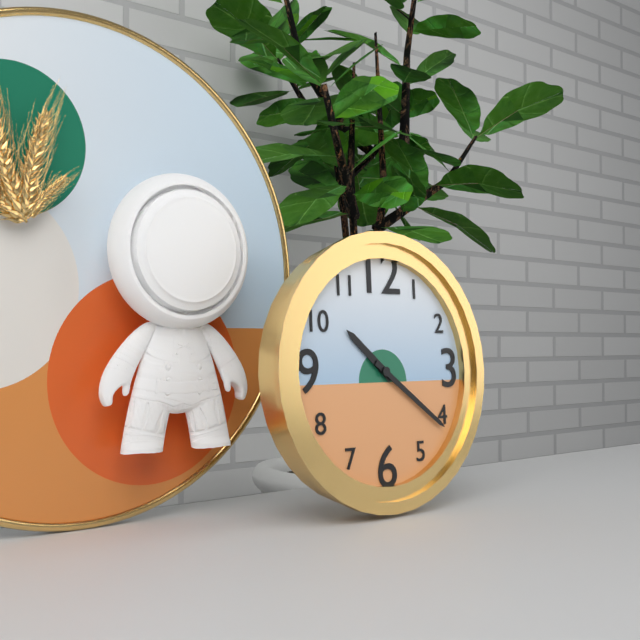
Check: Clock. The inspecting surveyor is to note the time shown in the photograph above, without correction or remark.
10:21
